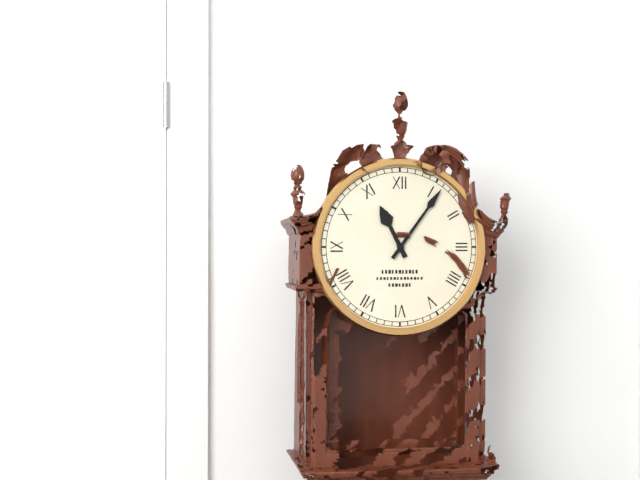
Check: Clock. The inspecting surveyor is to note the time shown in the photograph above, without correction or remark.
11:06
